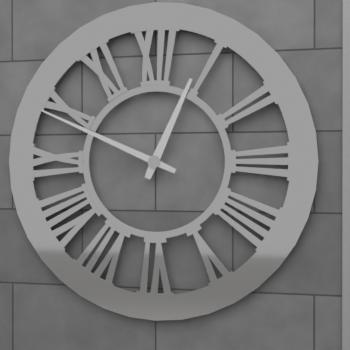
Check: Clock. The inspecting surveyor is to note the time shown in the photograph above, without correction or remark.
12:49
